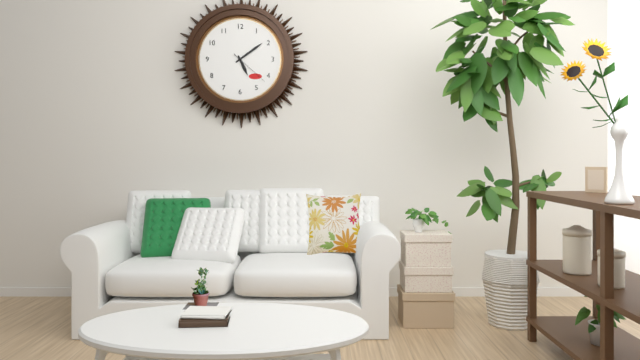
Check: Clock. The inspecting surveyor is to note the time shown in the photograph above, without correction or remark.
5:09
